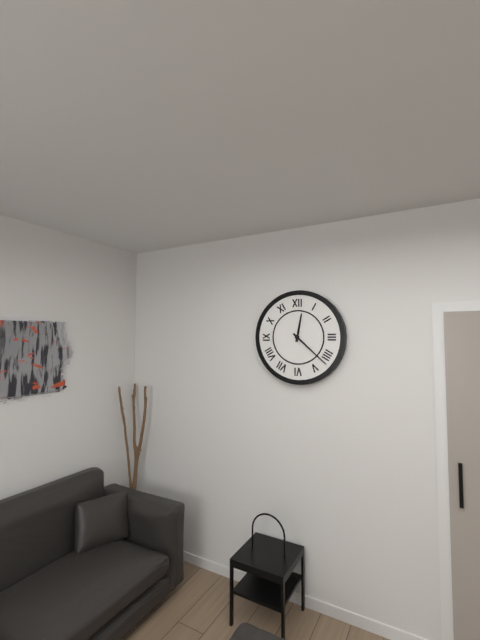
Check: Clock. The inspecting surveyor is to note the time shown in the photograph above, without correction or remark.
12:22
